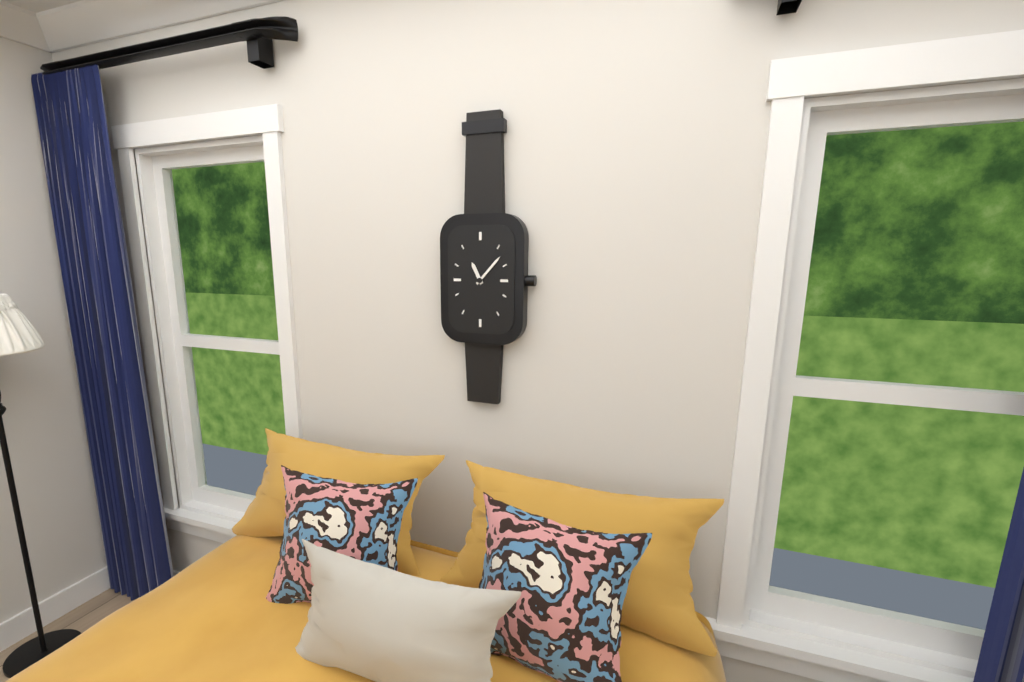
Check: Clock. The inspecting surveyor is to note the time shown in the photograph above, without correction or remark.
11:07
